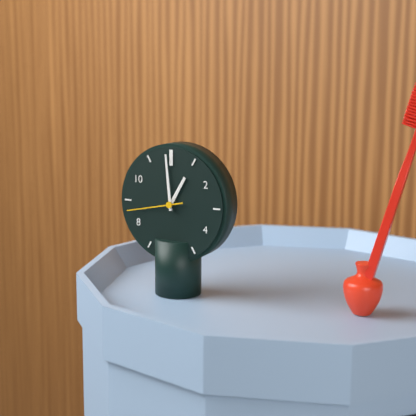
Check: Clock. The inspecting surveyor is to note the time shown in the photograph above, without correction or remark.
12:59:43
